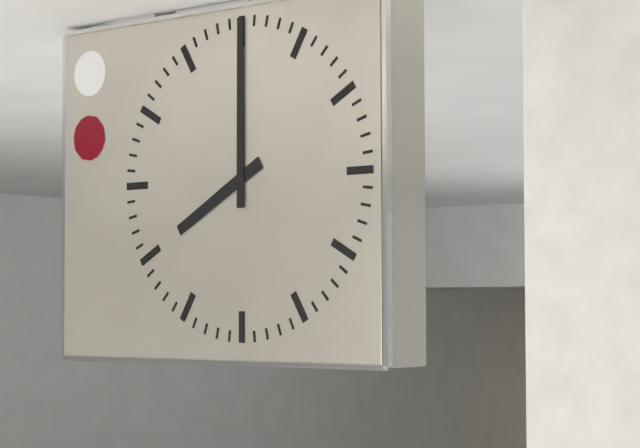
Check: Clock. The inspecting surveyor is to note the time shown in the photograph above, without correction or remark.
8:00
